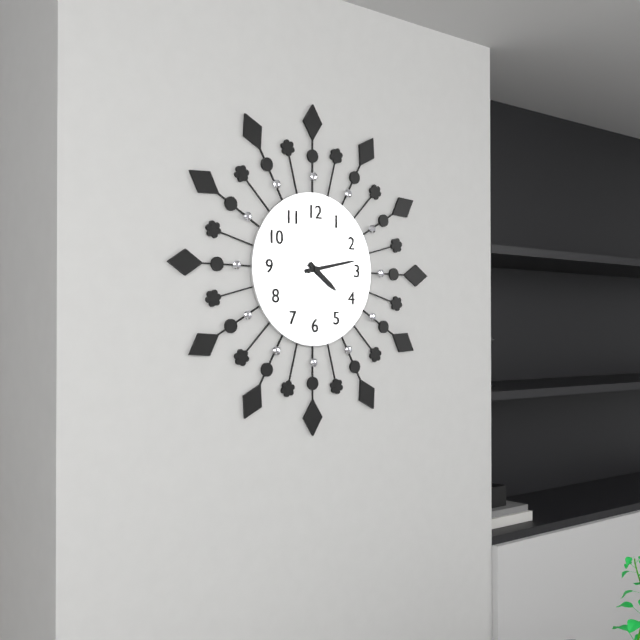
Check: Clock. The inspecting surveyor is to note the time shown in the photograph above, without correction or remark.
4:13
